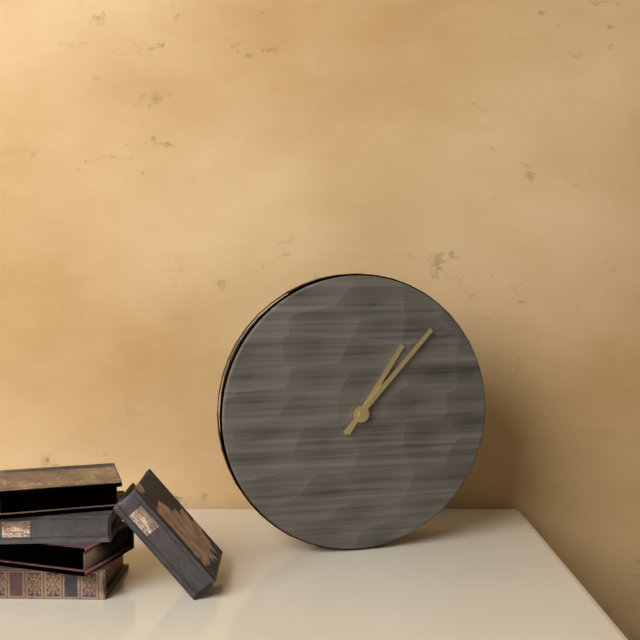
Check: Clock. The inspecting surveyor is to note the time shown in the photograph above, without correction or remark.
1:07
